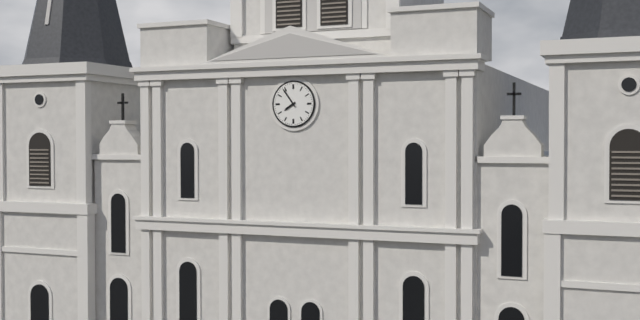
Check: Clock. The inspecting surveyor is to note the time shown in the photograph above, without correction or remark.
7:54
